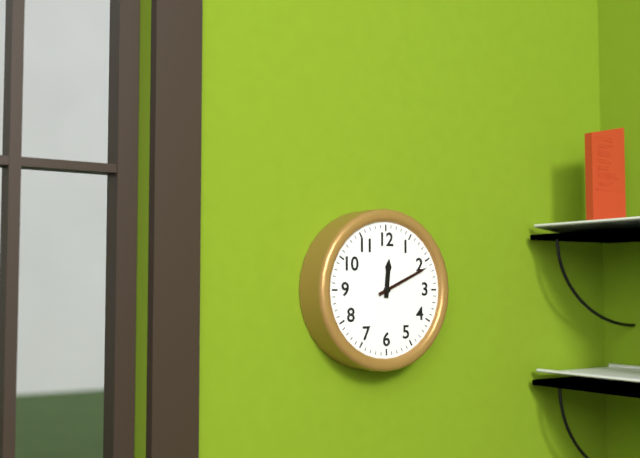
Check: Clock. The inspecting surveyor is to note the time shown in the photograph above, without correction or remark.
12:11
